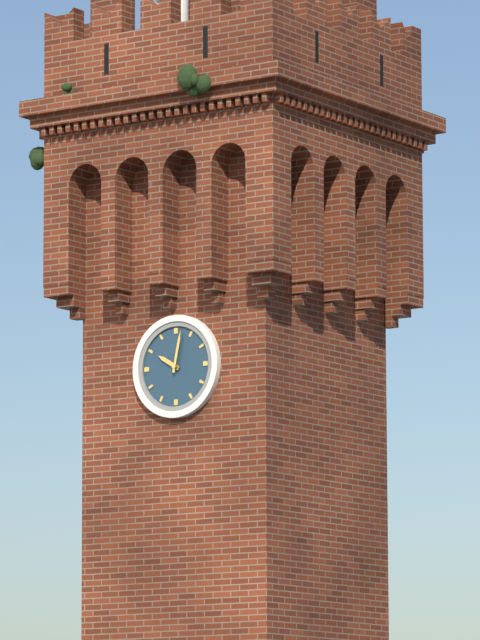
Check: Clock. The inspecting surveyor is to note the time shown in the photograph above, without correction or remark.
10:02
